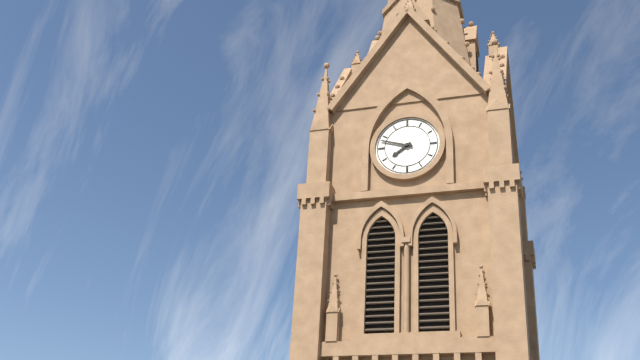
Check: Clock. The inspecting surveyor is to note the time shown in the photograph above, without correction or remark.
7:48
